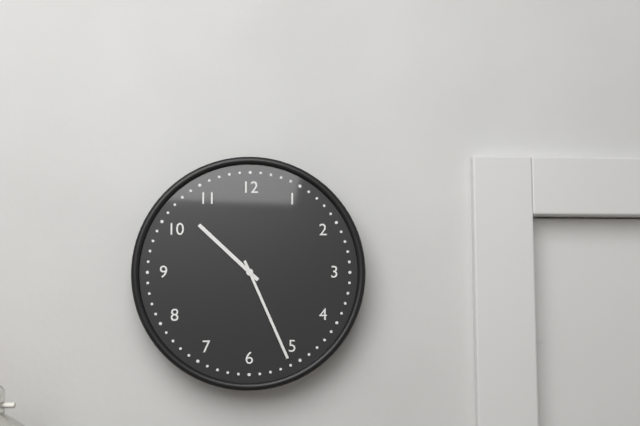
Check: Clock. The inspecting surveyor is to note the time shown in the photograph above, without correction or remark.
10:26
